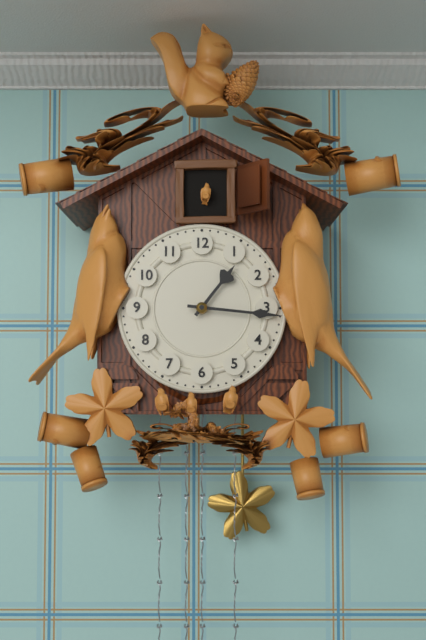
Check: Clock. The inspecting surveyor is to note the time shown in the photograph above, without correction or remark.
1:16
